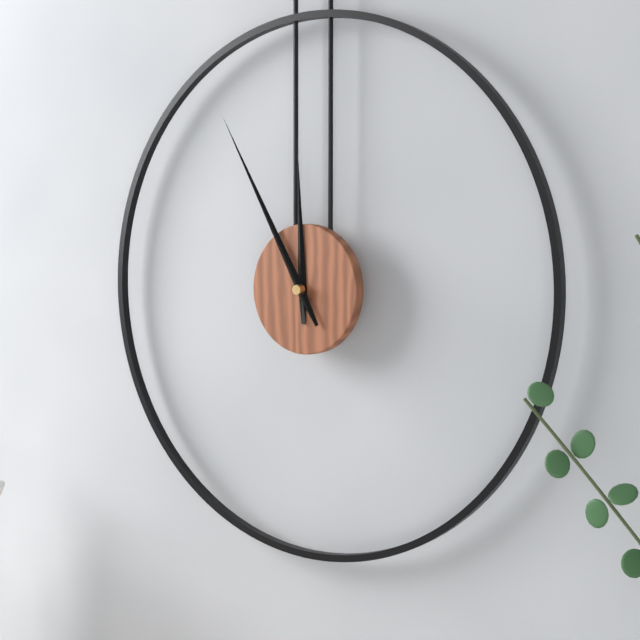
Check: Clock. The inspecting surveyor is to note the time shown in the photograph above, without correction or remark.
11:55
